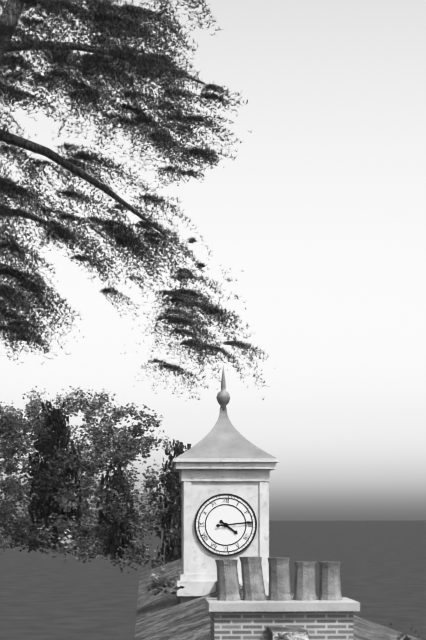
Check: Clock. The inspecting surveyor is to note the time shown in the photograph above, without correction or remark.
4:14
